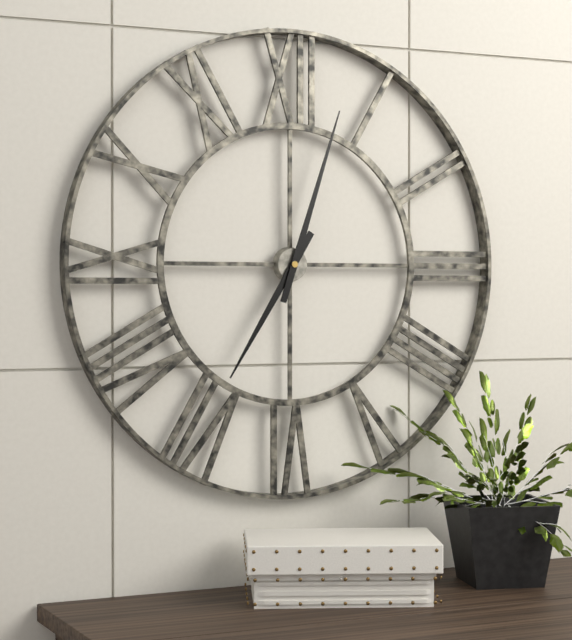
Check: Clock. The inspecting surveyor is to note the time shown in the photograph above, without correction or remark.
7:03
